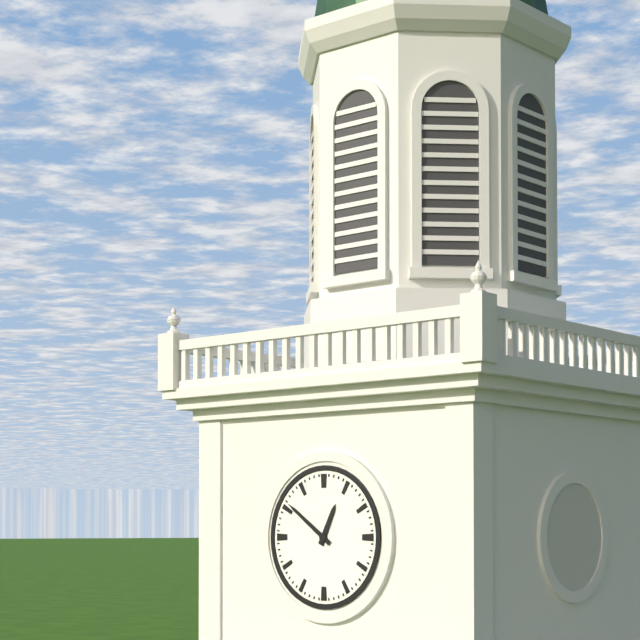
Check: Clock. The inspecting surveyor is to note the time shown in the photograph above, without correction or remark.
12:51
